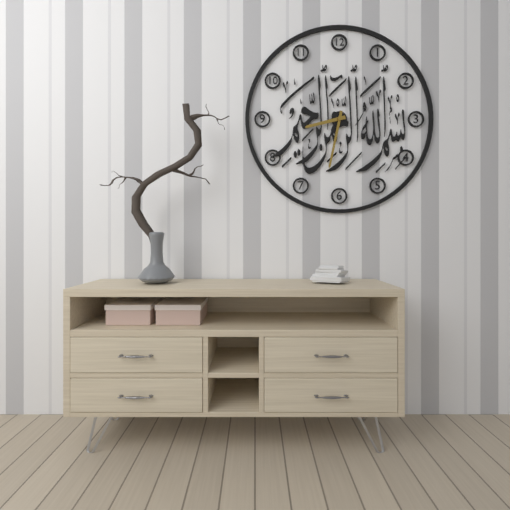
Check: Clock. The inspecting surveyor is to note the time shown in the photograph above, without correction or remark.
8:32
